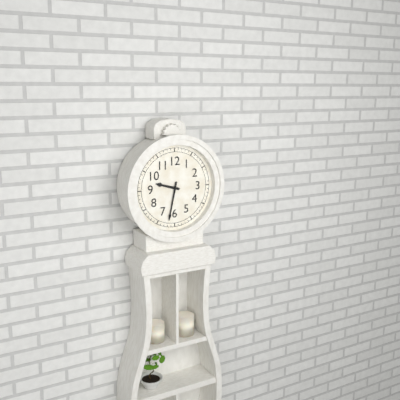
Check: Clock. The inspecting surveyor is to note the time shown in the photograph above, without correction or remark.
9:32
